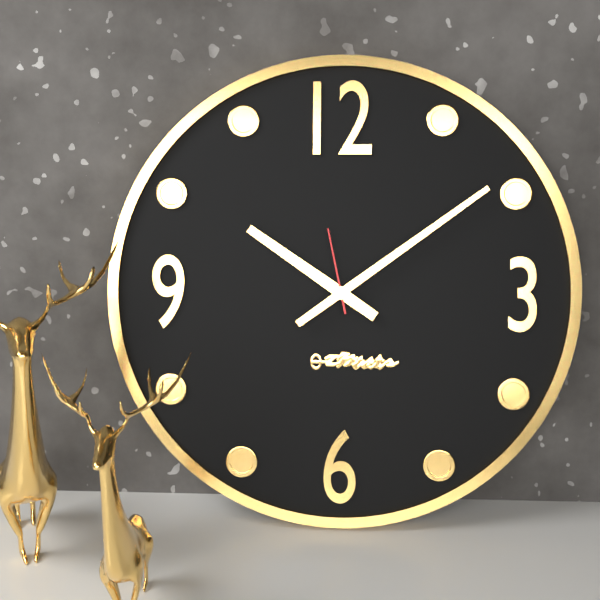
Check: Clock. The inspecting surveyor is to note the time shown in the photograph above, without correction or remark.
10:09:58
